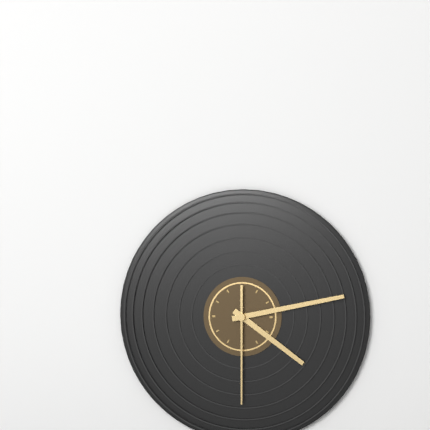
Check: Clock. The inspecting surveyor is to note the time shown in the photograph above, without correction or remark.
4:13:30
